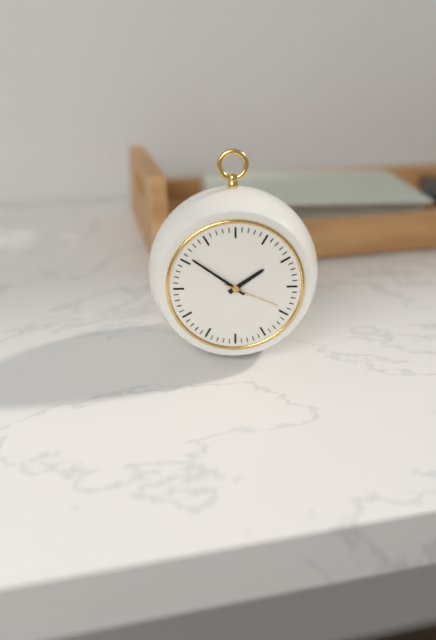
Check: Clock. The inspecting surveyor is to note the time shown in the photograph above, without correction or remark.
1:51:19
